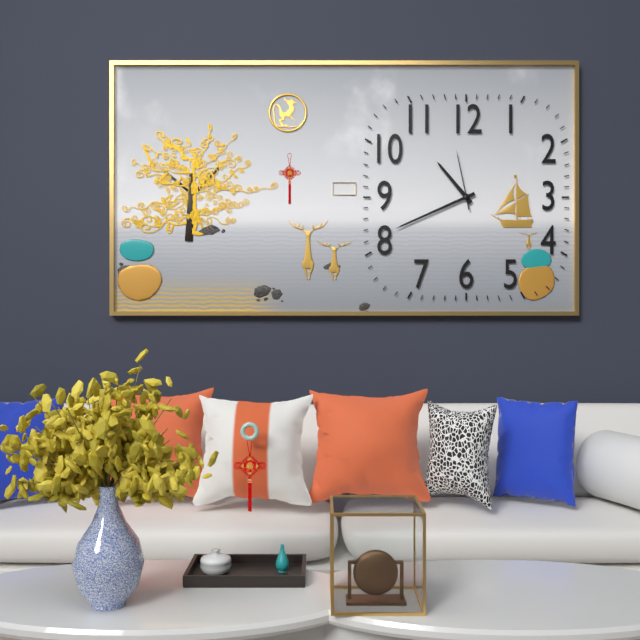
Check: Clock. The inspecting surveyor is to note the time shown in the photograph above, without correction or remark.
10:41:58
